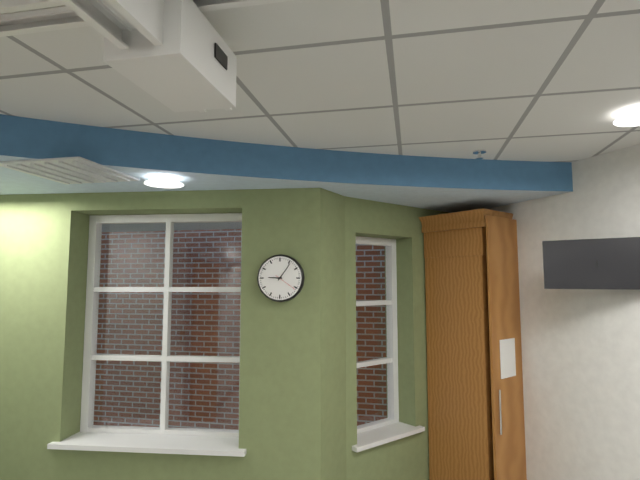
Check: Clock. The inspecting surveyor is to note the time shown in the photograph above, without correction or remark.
9:06
